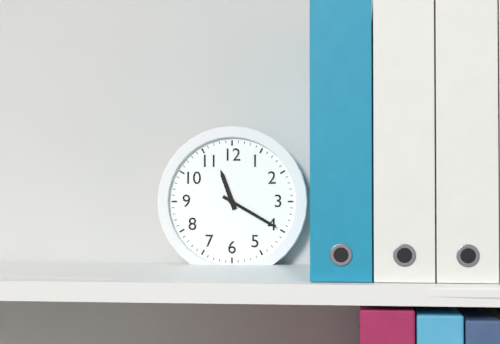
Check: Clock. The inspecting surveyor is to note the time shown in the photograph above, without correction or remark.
11:20
